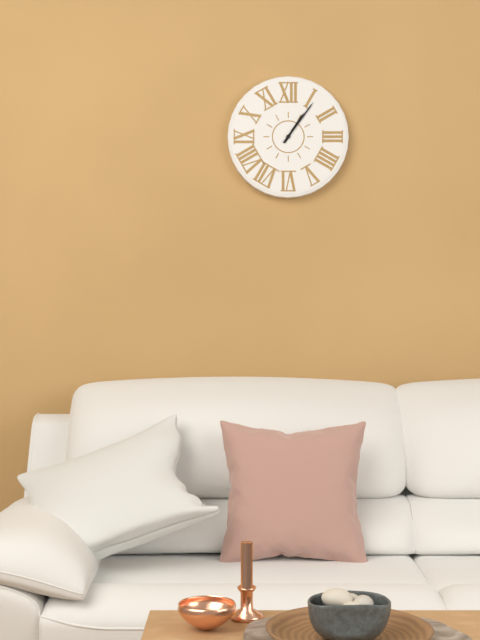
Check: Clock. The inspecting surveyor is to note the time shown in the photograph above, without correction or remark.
1:06
